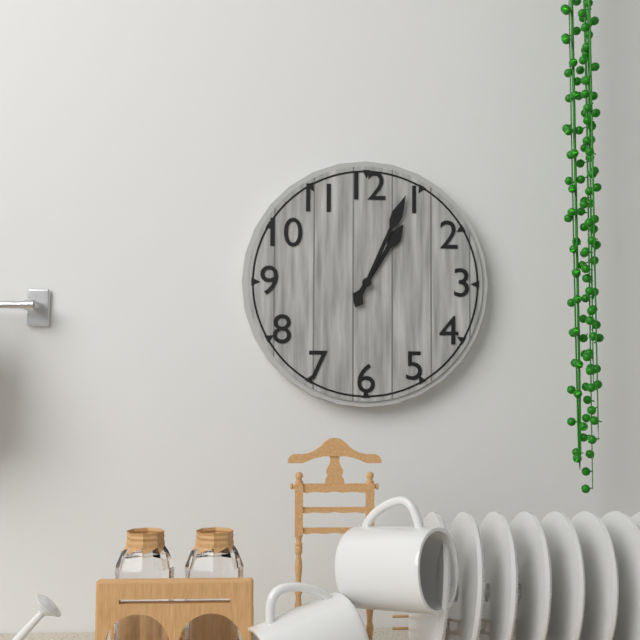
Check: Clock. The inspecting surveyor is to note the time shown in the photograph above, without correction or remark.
1:04
